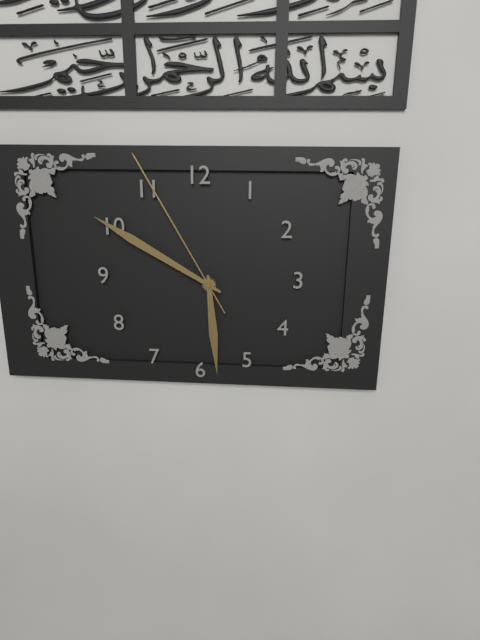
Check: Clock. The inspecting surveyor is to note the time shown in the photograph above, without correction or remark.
5:50:55
